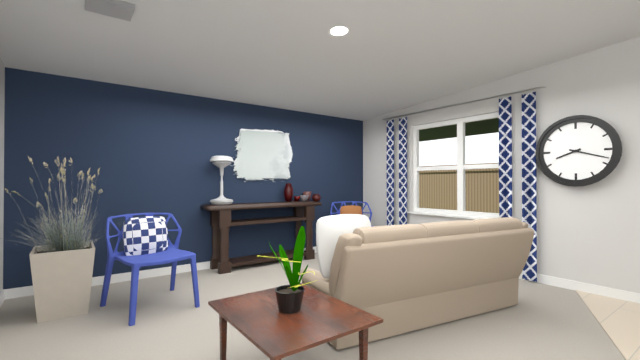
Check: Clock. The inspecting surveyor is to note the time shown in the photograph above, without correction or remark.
8:18
